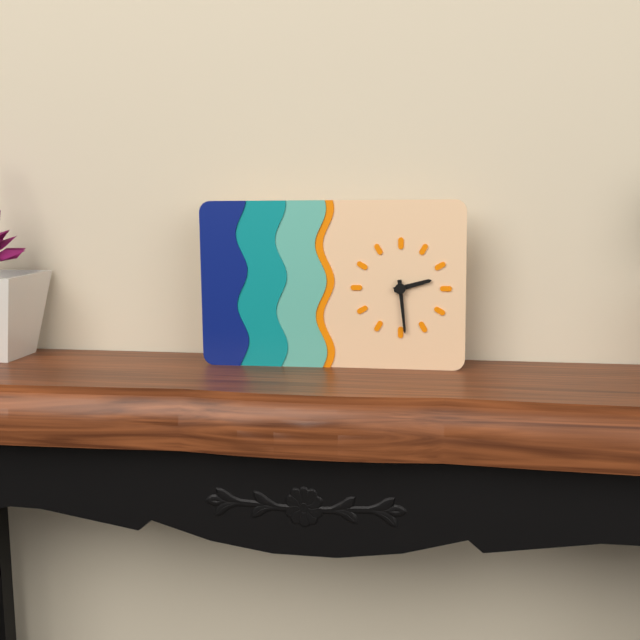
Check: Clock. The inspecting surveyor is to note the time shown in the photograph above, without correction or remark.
2:29
